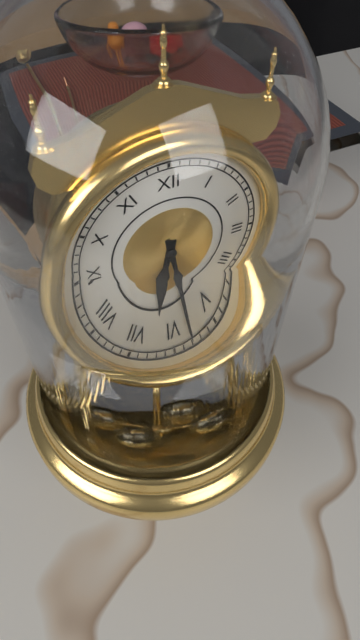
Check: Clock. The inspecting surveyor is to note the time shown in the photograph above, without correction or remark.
6:28
